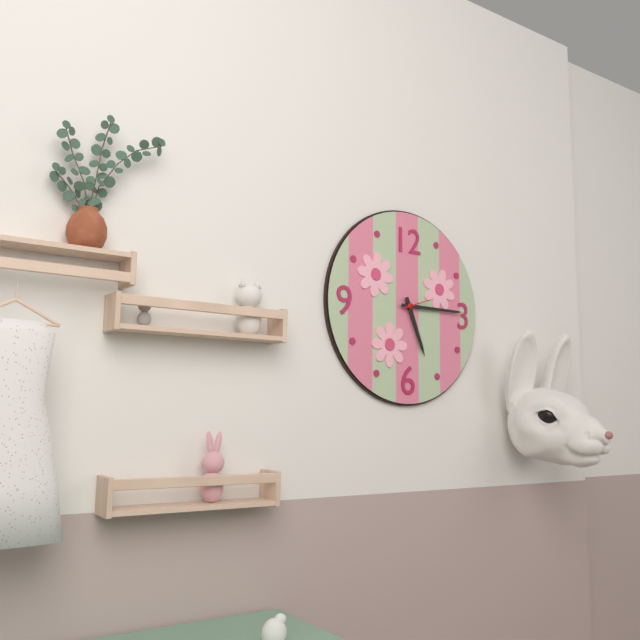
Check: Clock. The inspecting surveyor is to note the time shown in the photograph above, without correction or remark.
5:15
